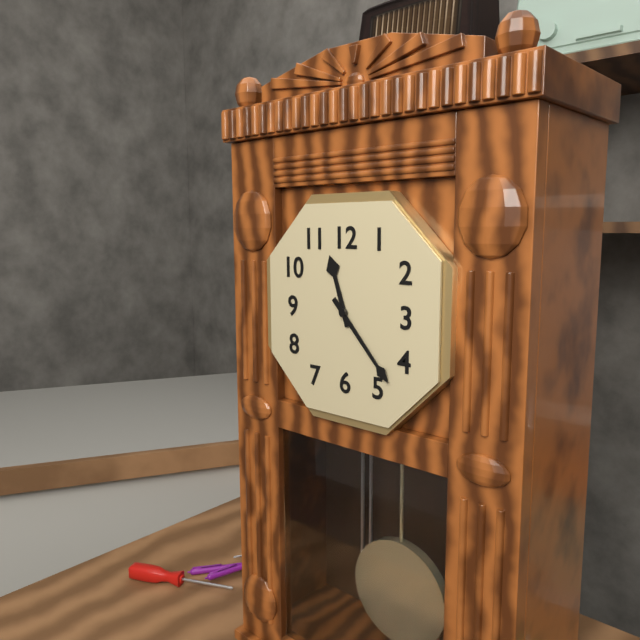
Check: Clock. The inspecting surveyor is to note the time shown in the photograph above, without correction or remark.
11:23
